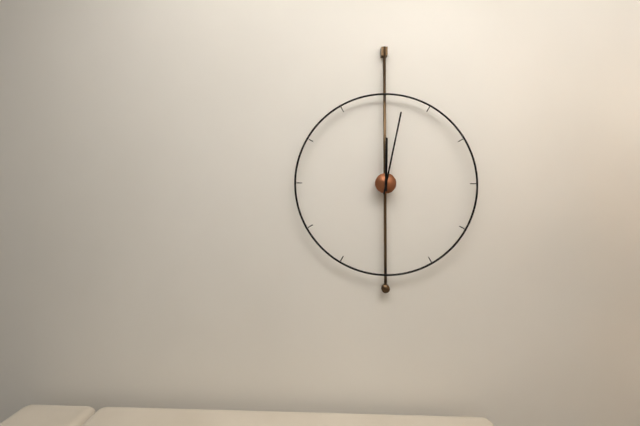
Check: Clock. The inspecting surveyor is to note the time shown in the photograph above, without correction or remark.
12:02
